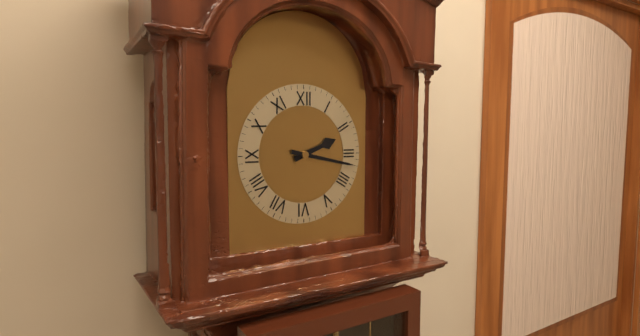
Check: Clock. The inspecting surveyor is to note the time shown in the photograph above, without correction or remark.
2:17
